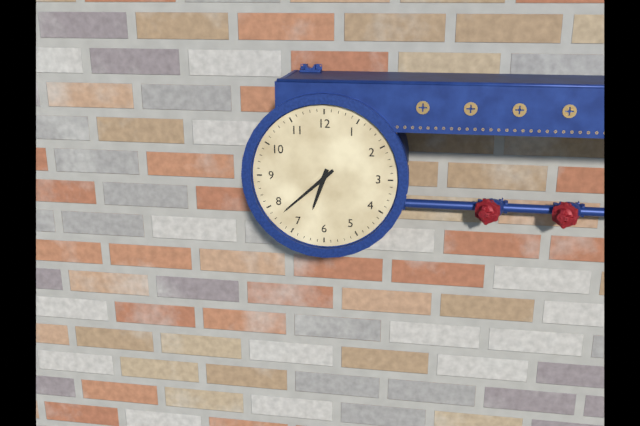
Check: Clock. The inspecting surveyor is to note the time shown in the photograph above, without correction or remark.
6:38
